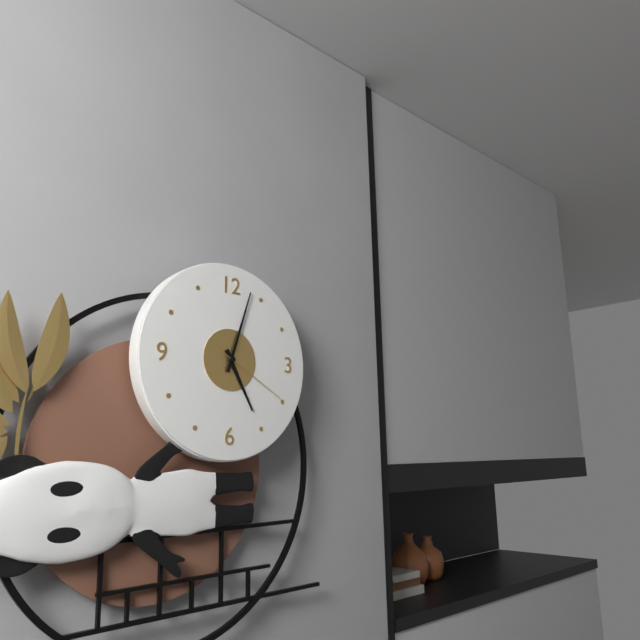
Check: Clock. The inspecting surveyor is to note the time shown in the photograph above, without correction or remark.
5:03:20
